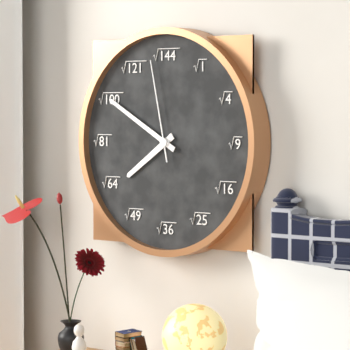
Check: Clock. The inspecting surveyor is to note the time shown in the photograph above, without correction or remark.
7:50:58
